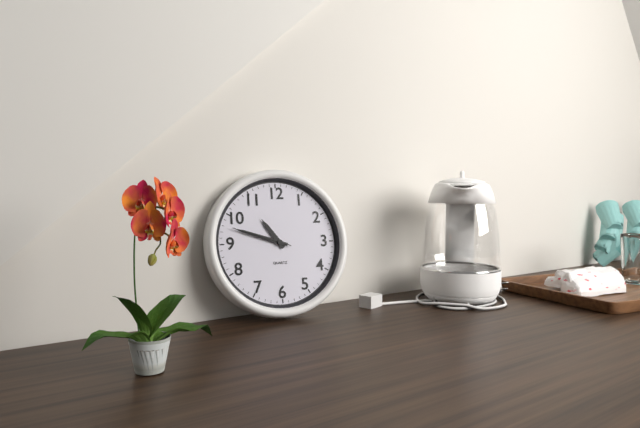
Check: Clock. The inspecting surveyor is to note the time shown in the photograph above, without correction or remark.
10:48:48
